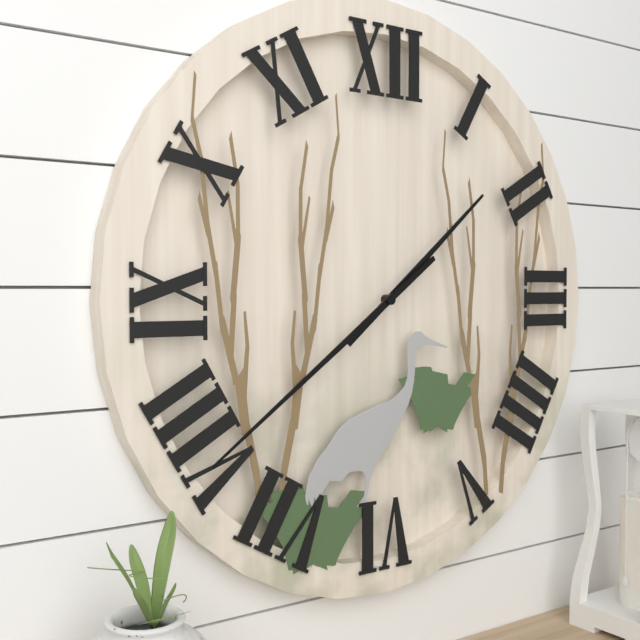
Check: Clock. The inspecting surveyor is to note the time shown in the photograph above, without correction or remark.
1:39
